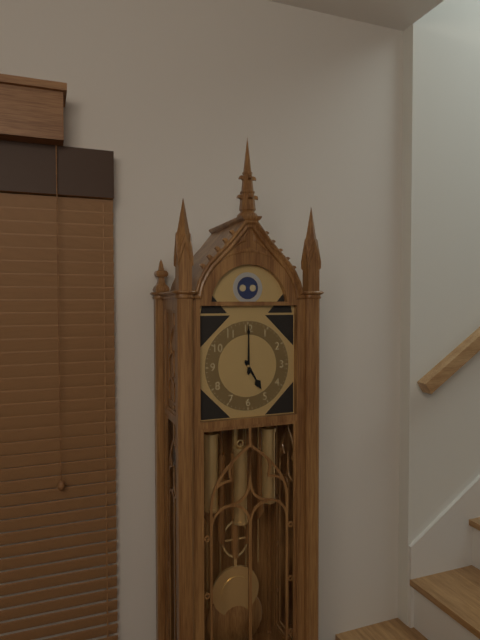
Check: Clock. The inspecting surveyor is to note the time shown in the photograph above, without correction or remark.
5:00
